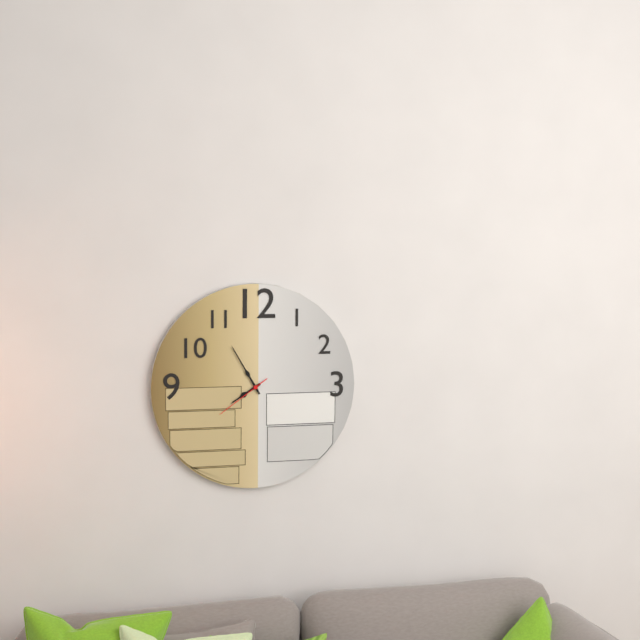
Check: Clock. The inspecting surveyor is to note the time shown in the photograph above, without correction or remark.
7:55:39
